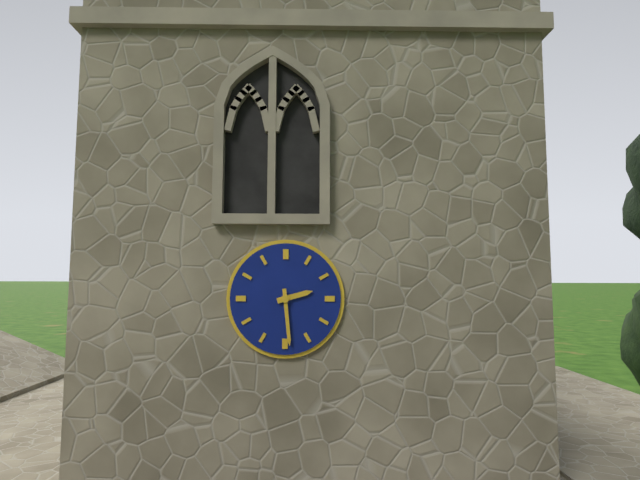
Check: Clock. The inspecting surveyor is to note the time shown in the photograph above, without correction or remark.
2:29
